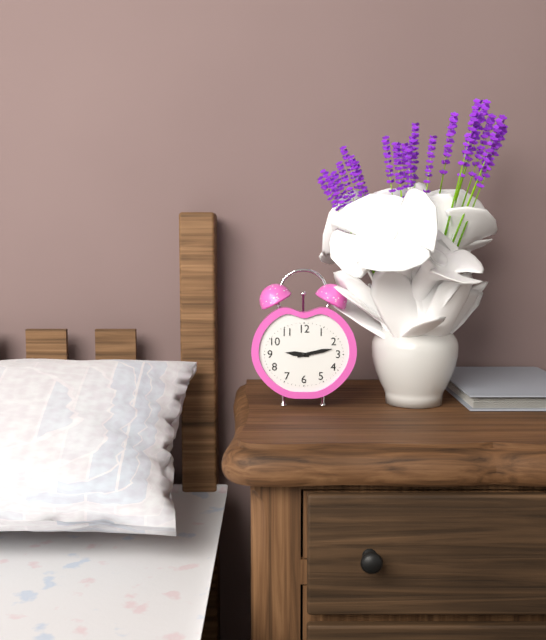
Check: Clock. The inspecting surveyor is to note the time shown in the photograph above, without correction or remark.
9:13
